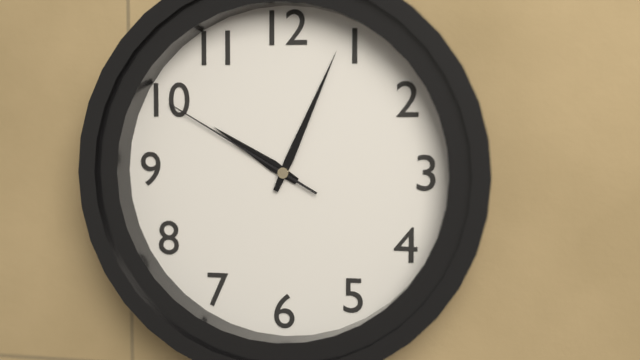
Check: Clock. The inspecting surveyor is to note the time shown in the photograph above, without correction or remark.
10:04:50
